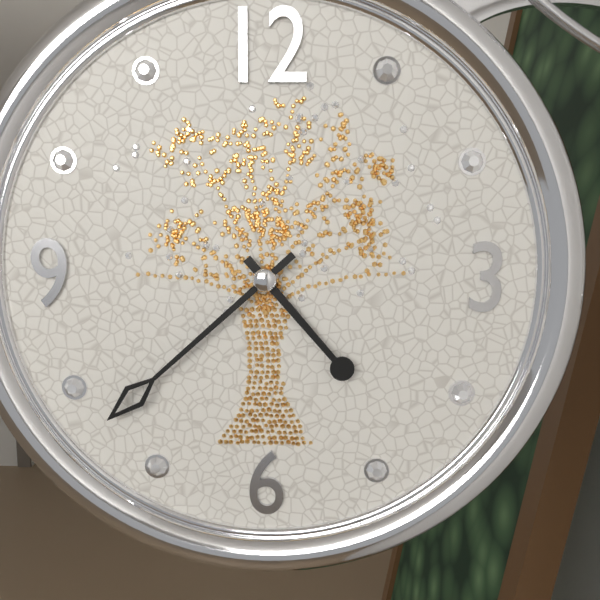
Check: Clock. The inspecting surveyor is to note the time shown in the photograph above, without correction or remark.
4:38
